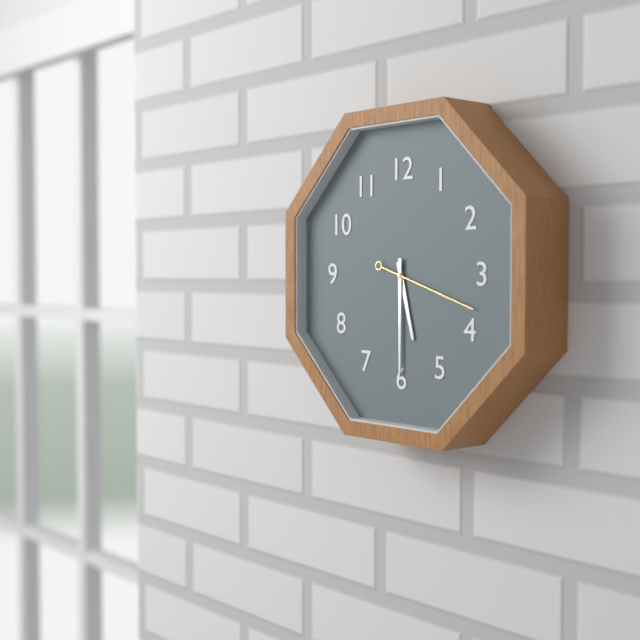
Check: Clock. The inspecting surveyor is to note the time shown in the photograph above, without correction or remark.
5:30:18
